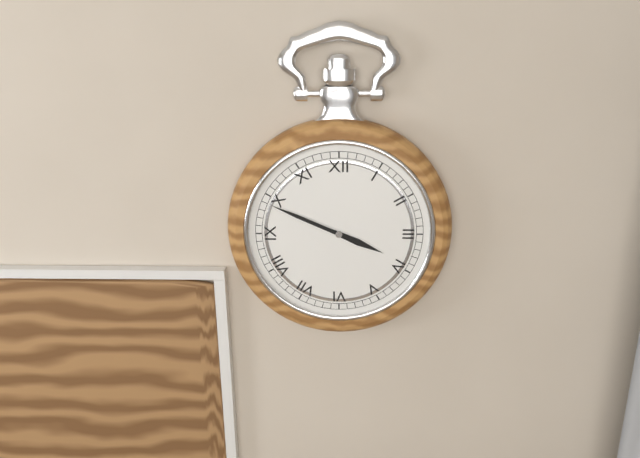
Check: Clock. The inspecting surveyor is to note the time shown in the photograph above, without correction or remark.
3:49
